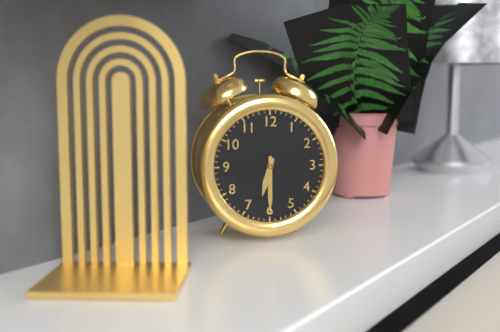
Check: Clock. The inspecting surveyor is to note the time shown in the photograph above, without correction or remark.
6:30
